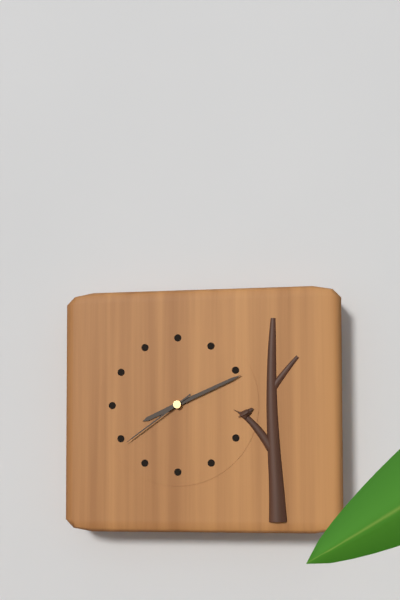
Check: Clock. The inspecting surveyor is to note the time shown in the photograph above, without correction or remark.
8:11:39
